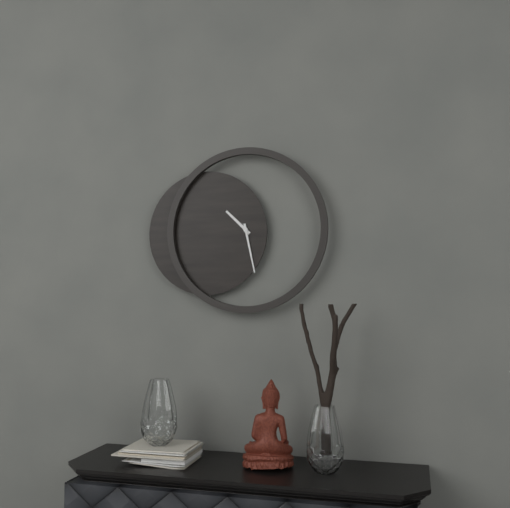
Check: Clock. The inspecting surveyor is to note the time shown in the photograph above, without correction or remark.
10:28
